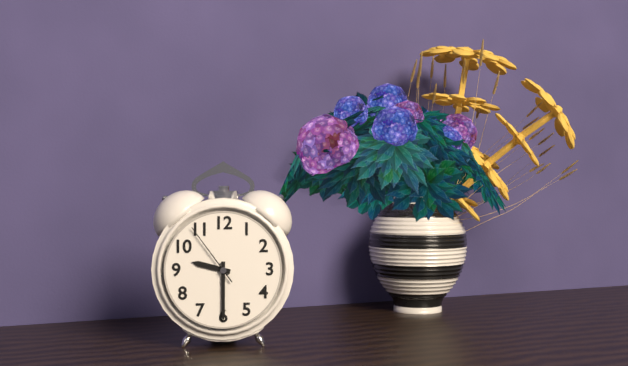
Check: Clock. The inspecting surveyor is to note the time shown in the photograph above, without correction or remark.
9:30:54
